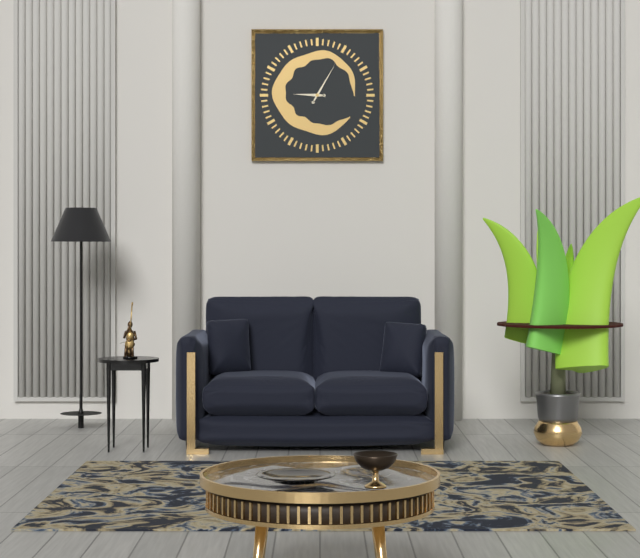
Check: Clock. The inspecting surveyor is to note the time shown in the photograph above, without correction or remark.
9:05
